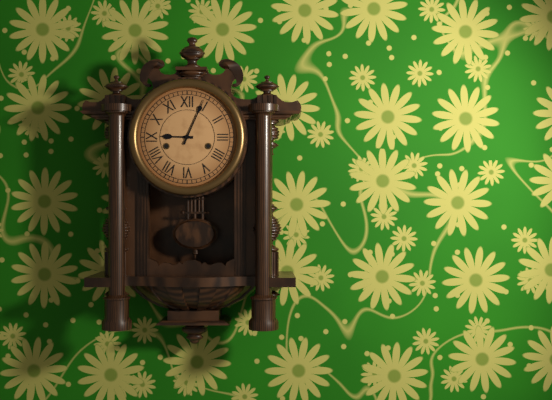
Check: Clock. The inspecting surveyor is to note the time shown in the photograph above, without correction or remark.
9:04
